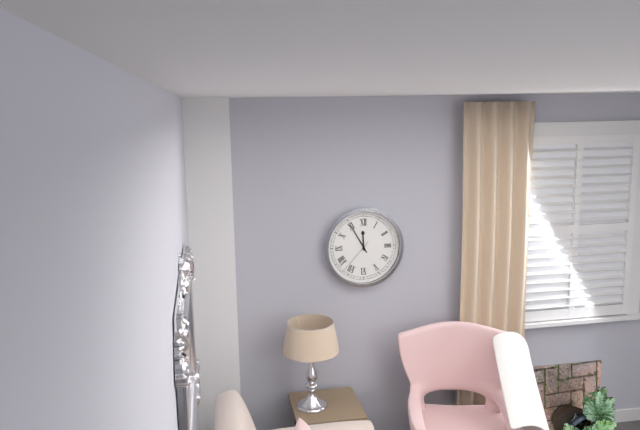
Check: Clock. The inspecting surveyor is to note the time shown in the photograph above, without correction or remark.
11:55
